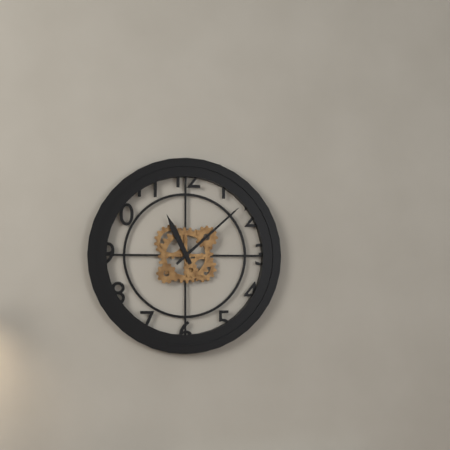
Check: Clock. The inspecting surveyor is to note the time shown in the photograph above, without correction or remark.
11:08
